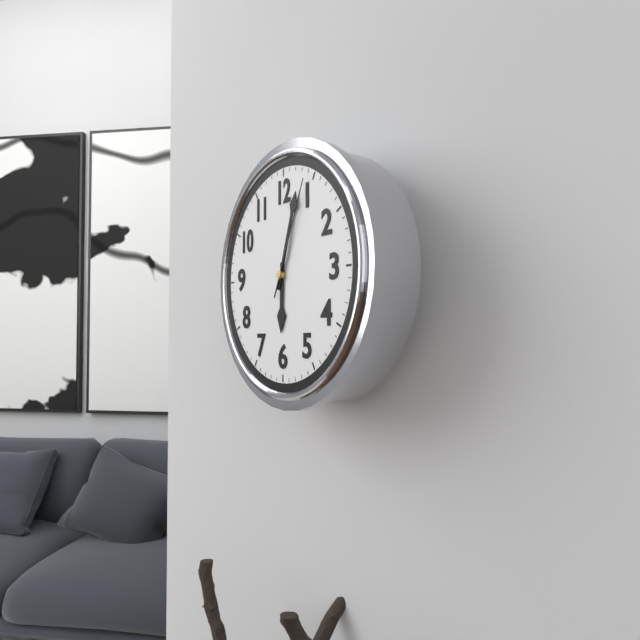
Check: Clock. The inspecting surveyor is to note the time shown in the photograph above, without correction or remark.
6:03:04
